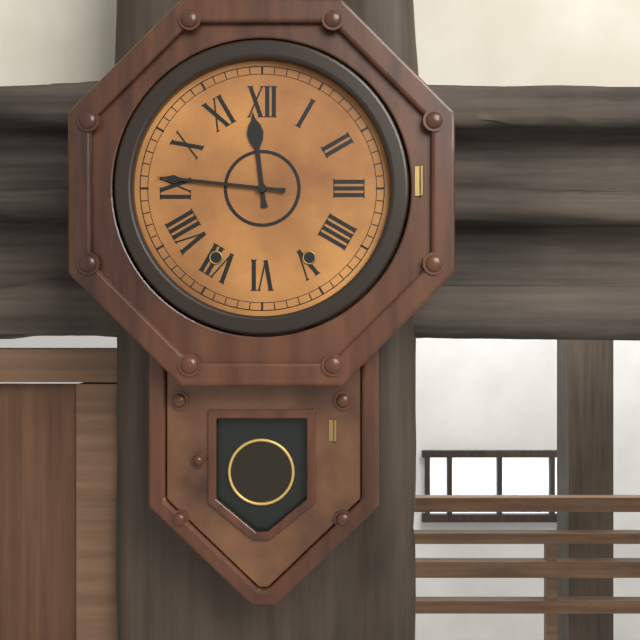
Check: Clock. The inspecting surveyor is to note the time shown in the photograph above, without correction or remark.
11:46
